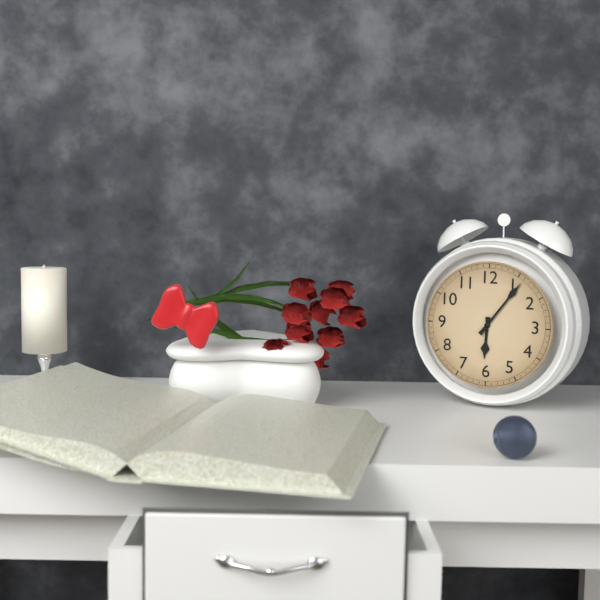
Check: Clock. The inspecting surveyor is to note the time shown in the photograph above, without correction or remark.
6:06
